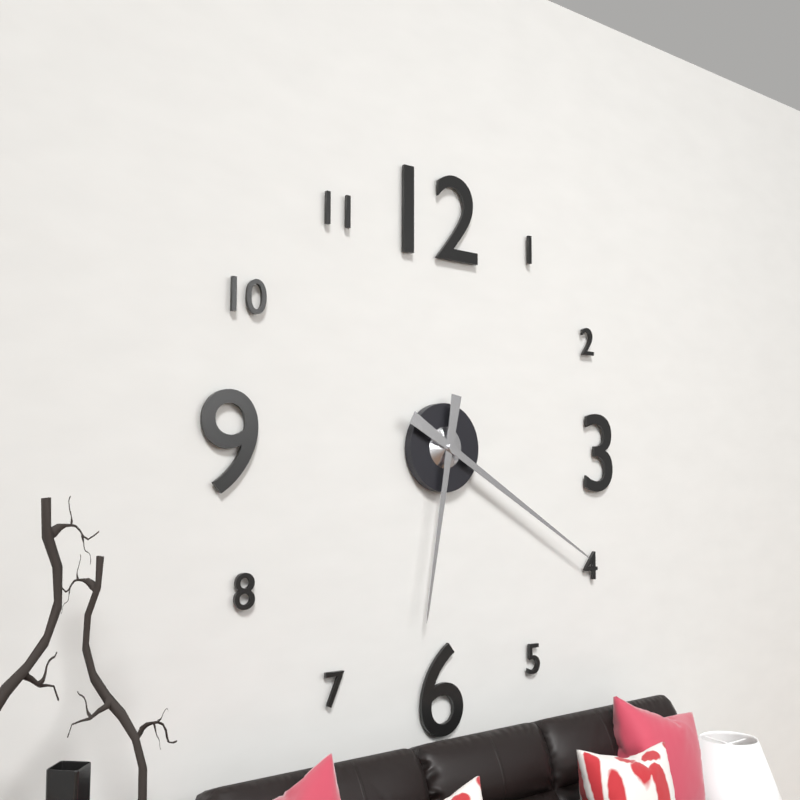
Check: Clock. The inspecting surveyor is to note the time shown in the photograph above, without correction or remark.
6:20
